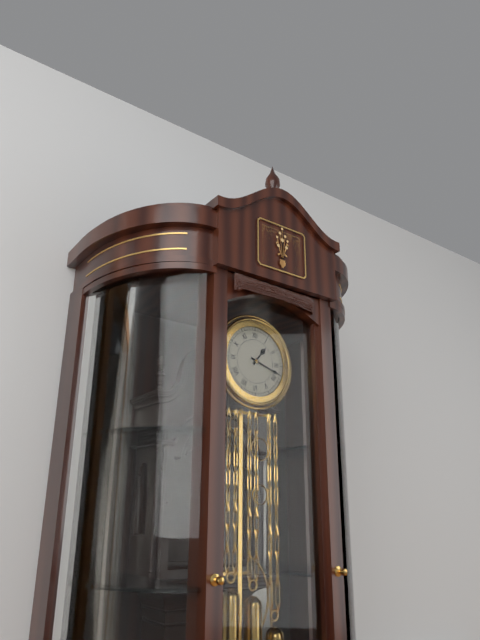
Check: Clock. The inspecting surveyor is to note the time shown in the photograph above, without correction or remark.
1:18
